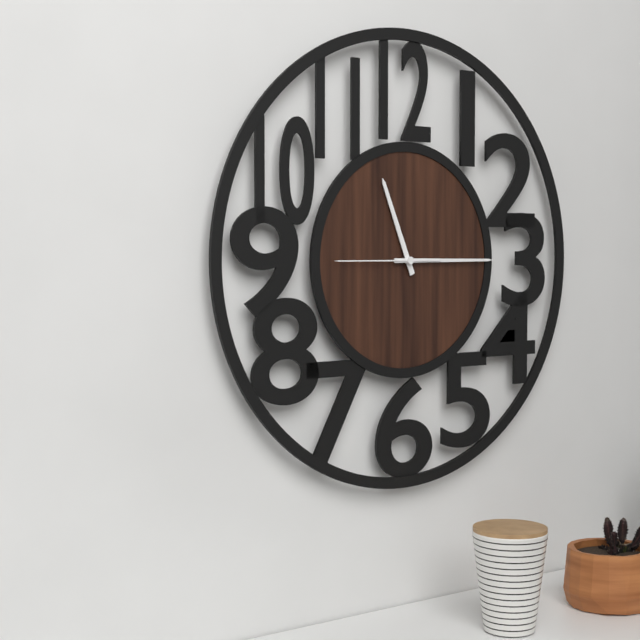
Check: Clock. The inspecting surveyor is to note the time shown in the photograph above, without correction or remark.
11:15:45
